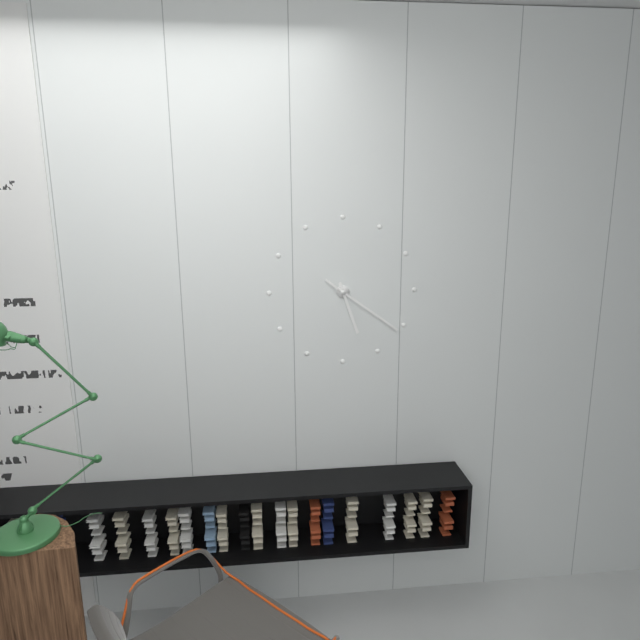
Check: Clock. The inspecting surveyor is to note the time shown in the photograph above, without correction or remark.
5:21
